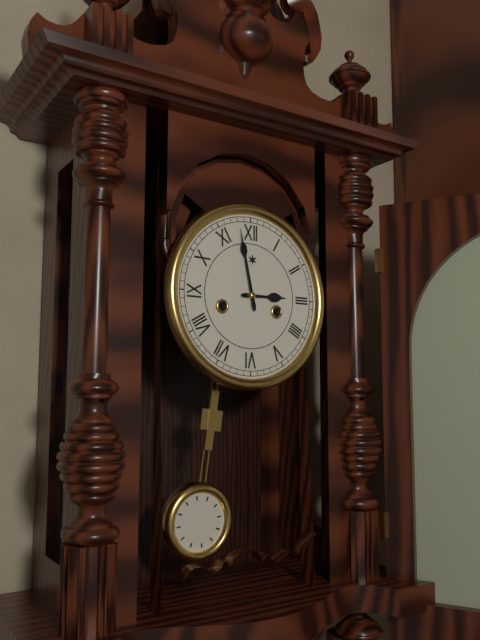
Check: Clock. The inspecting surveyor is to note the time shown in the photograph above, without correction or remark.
2:58
